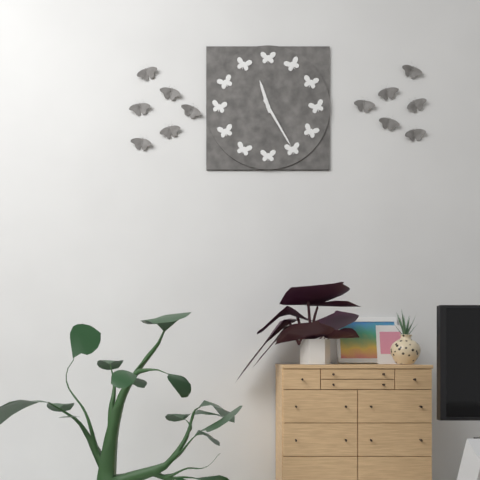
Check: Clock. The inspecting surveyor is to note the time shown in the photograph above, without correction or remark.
11:25
